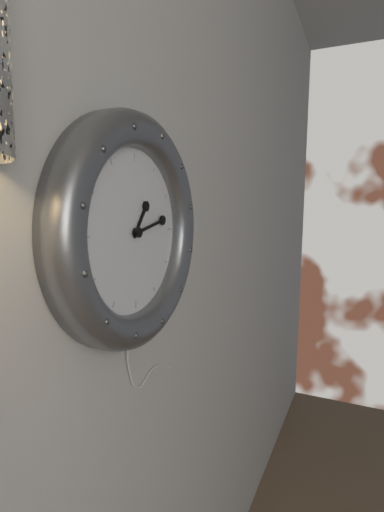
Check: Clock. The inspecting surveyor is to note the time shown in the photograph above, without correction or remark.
1:13
